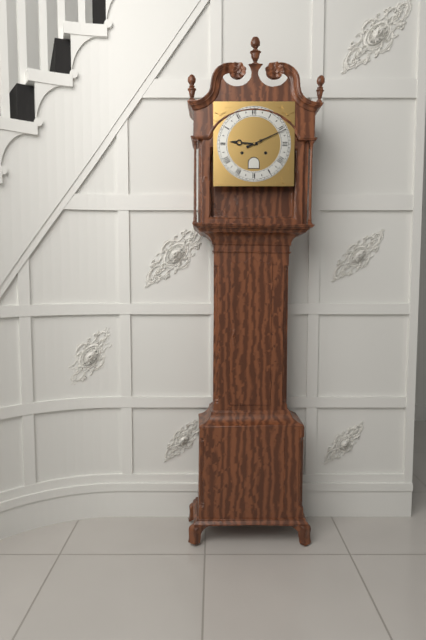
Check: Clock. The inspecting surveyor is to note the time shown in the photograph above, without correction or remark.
9:11
